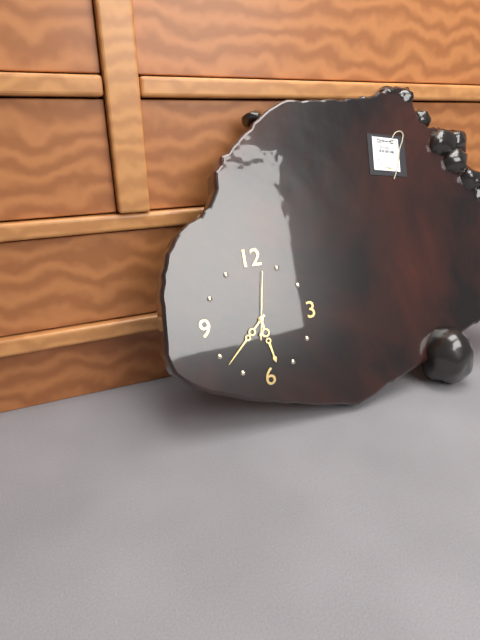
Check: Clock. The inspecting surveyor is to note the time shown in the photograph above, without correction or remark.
5:38:02
